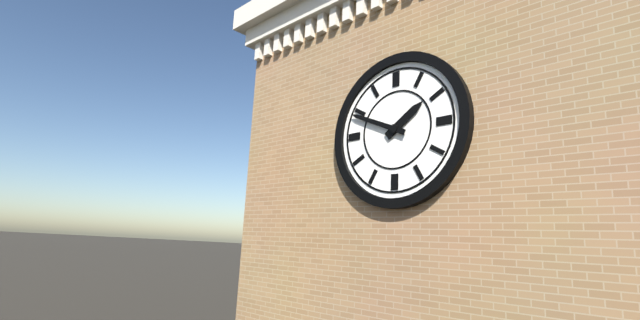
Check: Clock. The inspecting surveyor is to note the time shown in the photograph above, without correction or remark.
1:49
